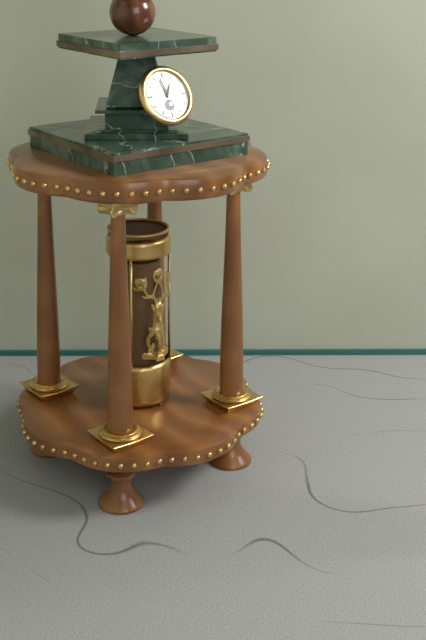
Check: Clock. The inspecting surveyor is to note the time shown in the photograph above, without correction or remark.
12:58
